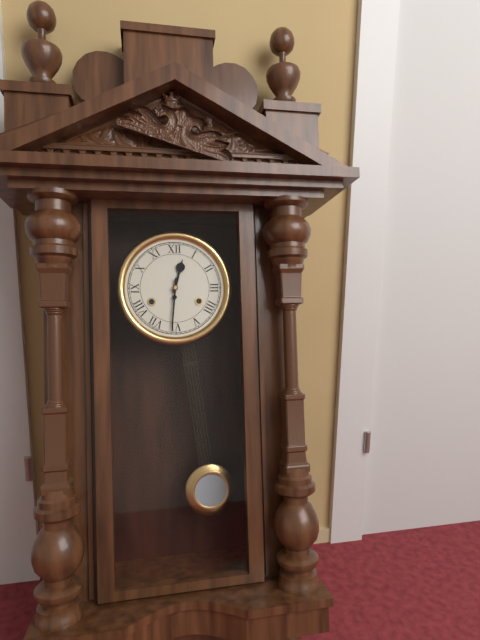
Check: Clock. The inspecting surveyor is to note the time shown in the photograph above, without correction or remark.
12:31
